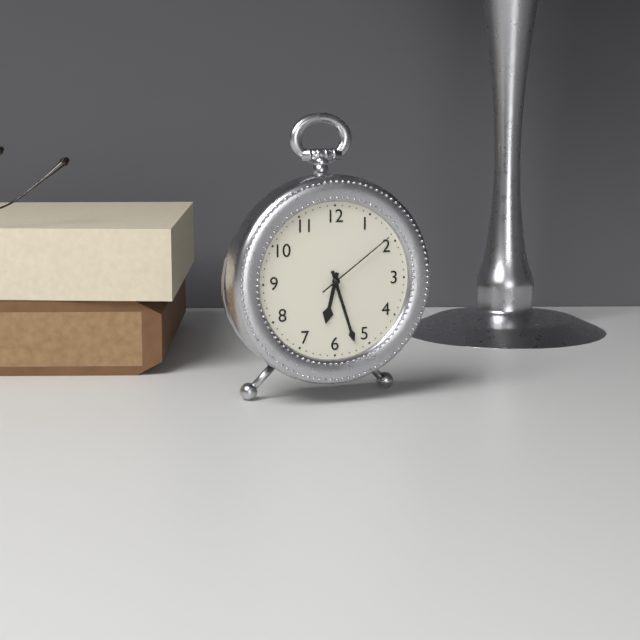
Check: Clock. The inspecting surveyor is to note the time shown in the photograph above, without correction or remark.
6:27:09
